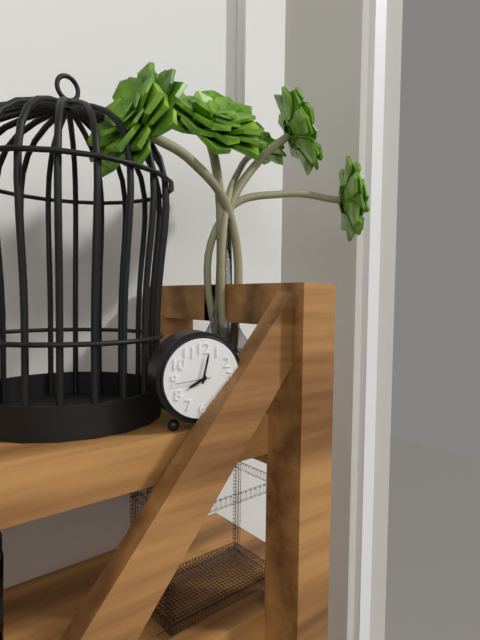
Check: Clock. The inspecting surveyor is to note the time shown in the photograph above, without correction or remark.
8:02
